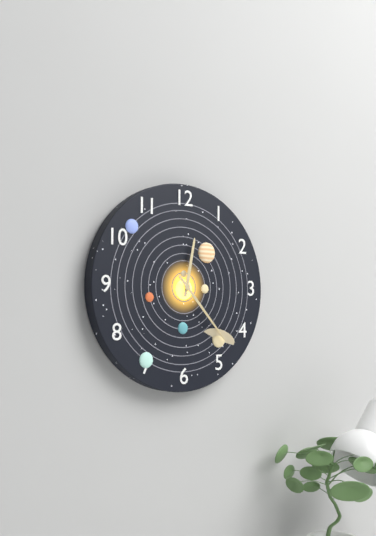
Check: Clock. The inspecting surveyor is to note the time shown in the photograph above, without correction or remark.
12:23
